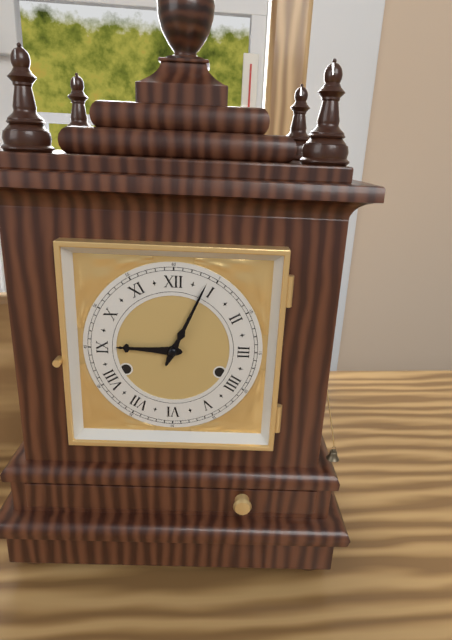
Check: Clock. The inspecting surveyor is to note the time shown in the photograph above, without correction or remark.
9:04
